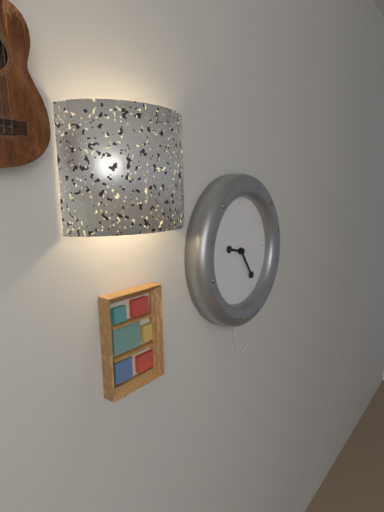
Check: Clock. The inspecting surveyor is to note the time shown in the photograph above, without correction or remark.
9:24
